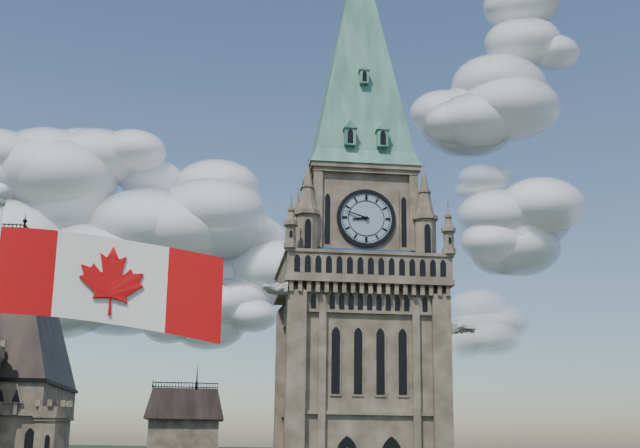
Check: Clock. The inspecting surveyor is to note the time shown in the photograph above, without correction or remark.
8:48
